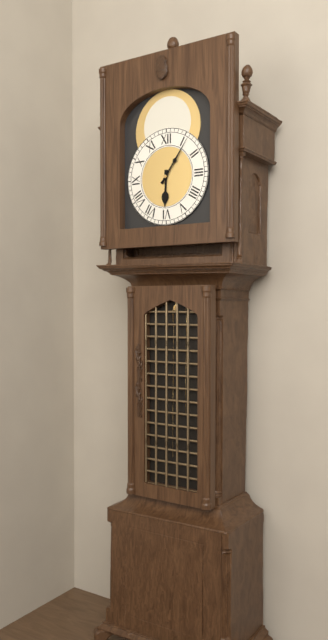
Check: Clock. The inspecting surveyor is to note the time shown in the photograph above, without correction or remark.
6:06
